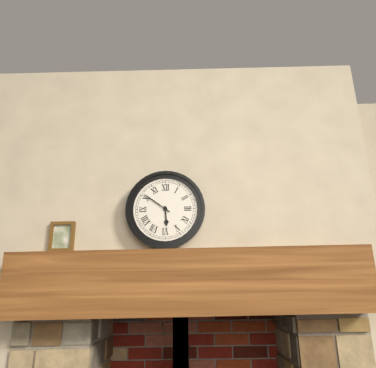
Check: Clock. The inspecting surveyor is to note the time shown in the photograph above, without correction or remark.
5:51
